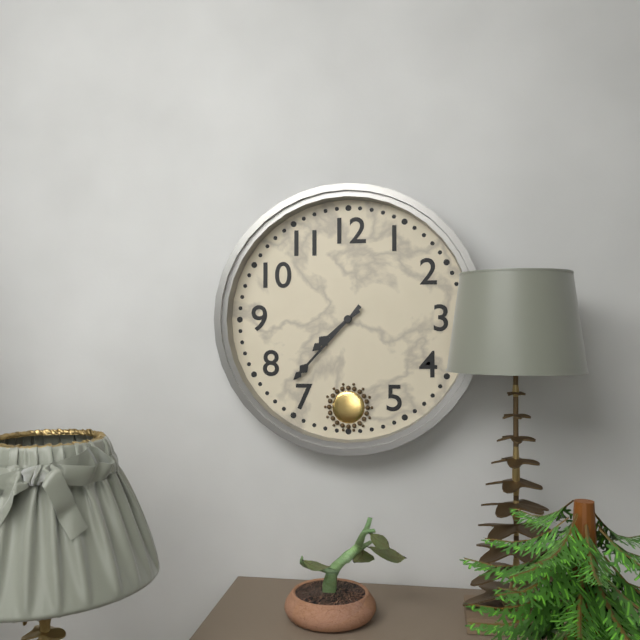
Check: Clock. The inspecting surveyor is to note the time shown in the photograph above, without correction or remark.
7:37
